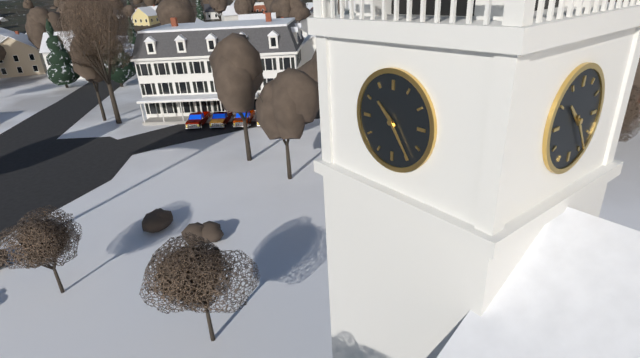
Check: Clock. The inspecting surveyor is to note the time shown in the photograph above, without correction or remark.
10:24
